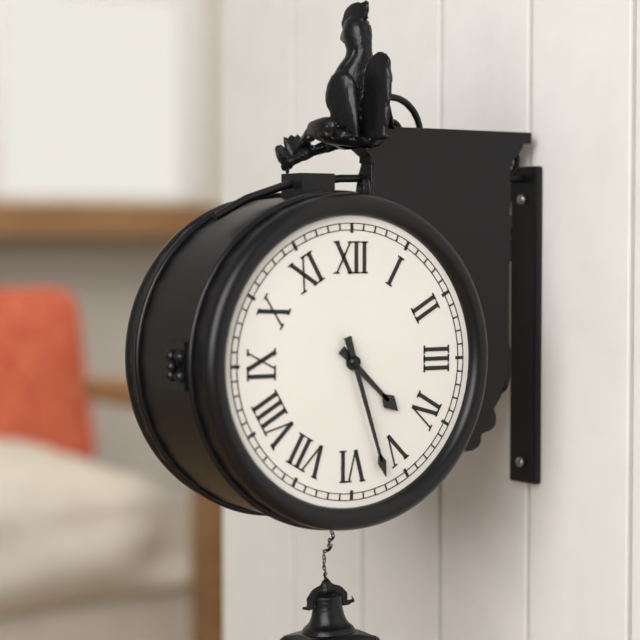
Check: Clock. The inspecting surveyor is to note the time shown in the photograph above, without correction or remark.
4:27
